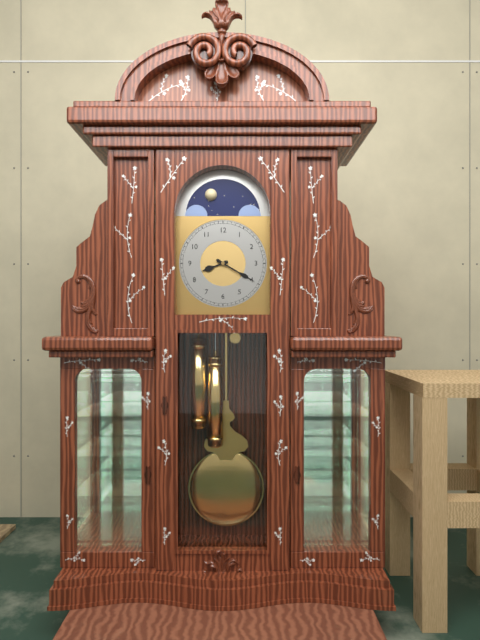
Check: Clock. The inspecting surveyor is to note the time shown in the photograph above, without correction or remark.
8:20
